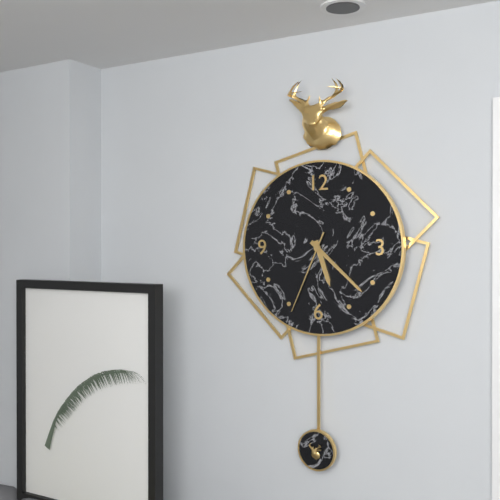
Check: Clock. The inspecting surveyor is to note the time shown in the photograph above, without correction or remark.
5:22:34
